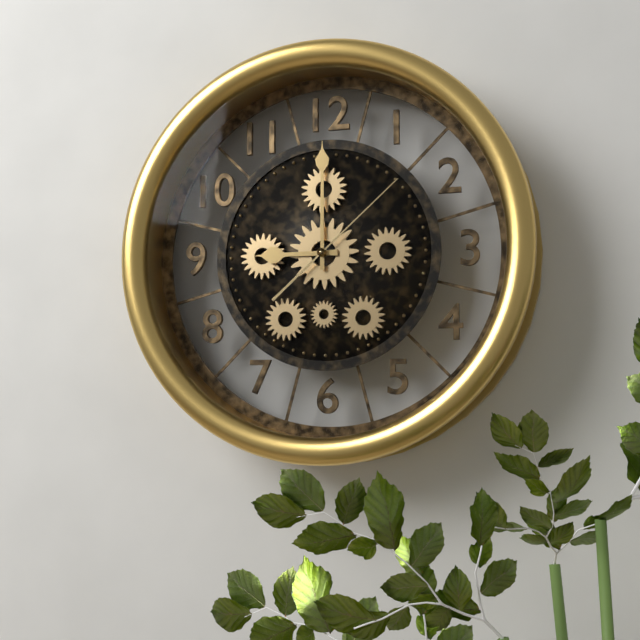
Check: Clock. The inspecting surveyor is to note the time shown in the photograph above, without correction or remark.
9:00:08
